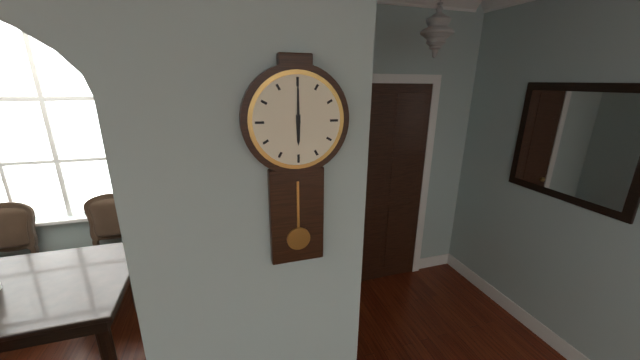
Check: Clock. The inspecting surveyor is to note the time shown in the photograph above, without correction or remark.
6:00
